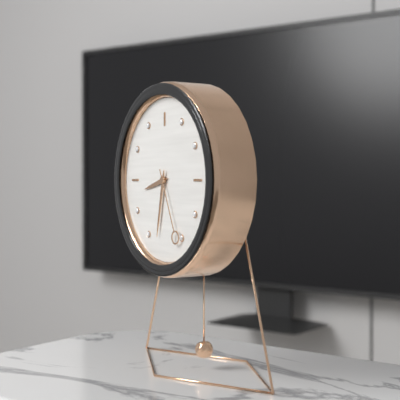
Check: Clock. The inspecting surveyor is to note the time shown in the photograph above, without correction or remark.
8:32:26
